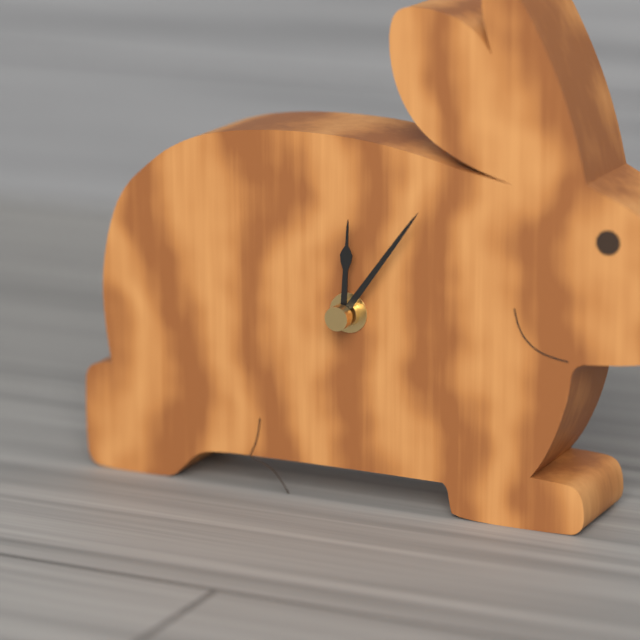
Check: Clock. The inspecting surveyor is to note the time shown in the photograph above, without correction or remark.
12:06
